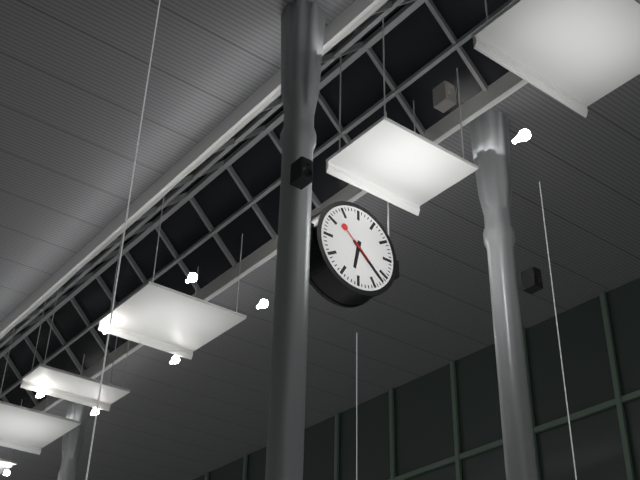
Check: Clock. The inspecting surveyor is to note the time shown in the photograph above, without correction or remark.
6:22
